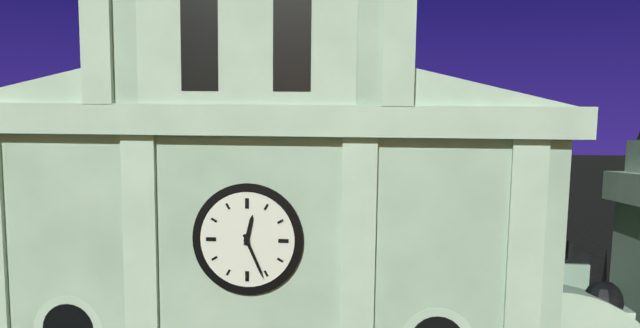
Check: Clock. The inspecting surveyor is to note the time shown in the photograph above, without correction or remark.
12:26
